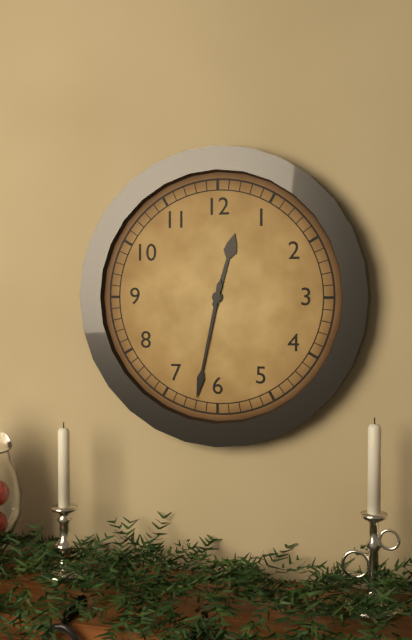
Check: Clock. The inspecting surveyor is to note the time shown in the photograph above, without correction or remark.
12:32
